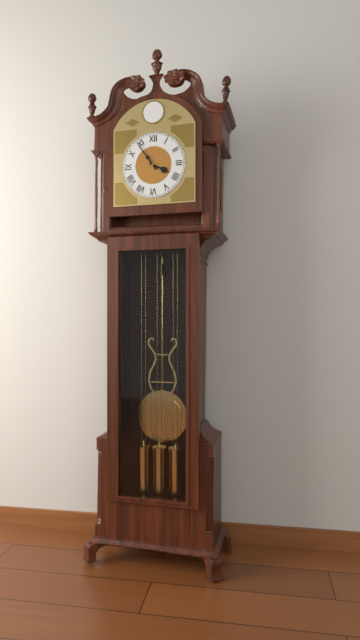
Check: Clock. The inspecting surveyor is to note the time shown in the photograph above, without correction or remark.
3:54
